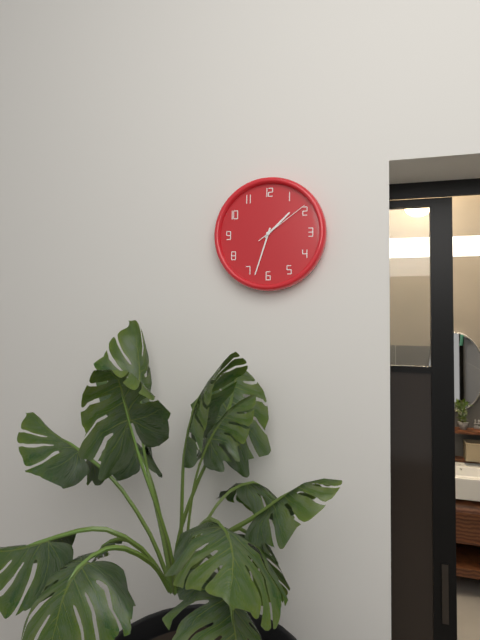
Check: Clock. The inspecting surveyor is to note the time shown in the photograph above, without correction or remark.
1:33:09
